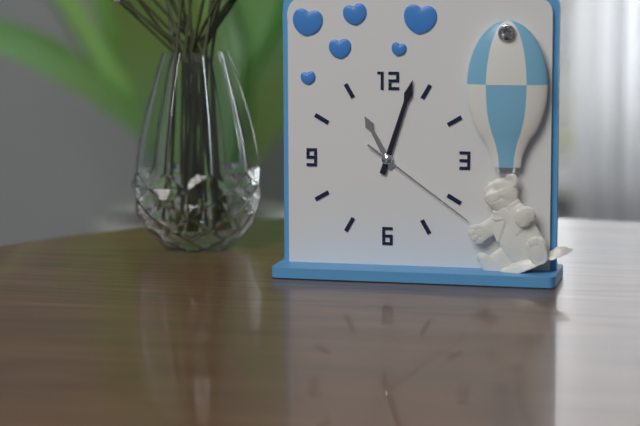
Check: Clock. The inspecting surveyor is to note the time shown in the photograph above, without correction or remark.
11:03:21
